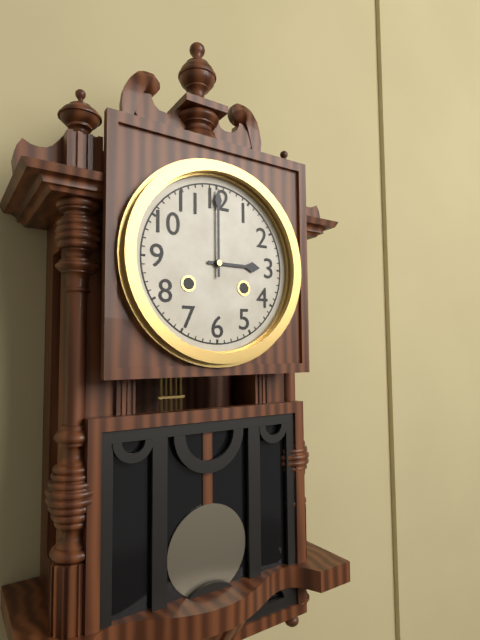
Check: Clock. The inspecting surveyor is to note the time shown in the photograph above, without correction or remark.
3:00
